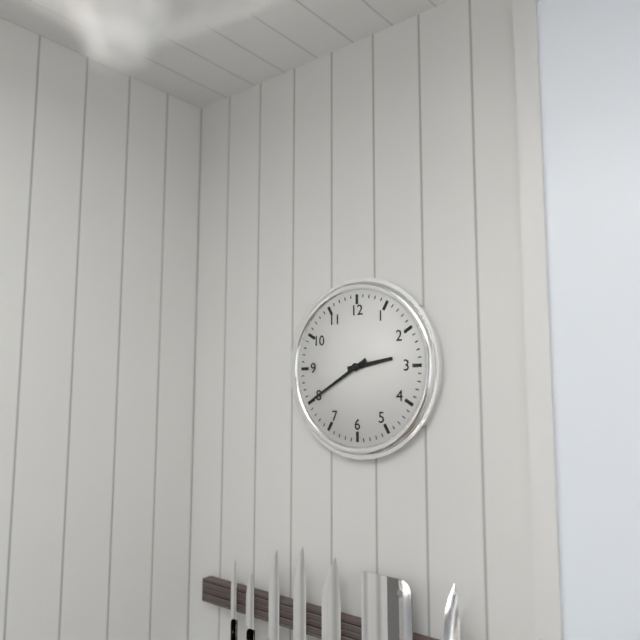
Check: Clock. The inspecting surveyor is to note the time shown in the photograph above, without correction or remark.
2:40
